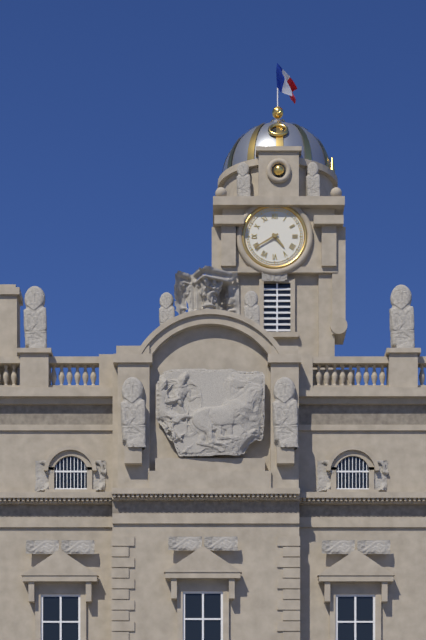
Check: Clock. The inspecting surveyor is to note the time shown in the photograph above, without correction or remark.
4:40
